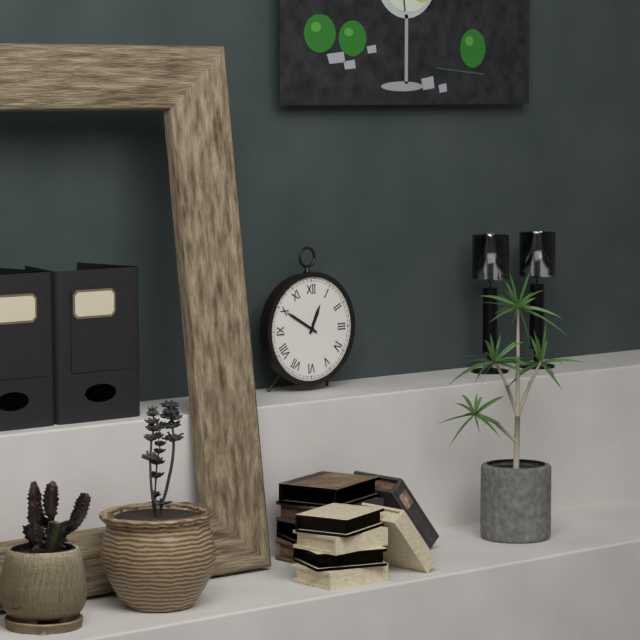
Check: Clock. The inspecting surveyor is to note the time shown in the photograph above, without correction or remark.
12:50
